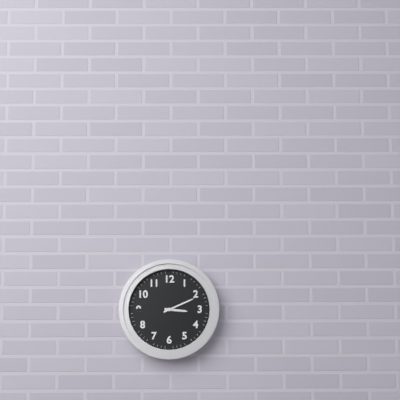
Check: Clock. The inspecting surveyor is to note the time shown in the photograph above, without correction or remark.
3:11
